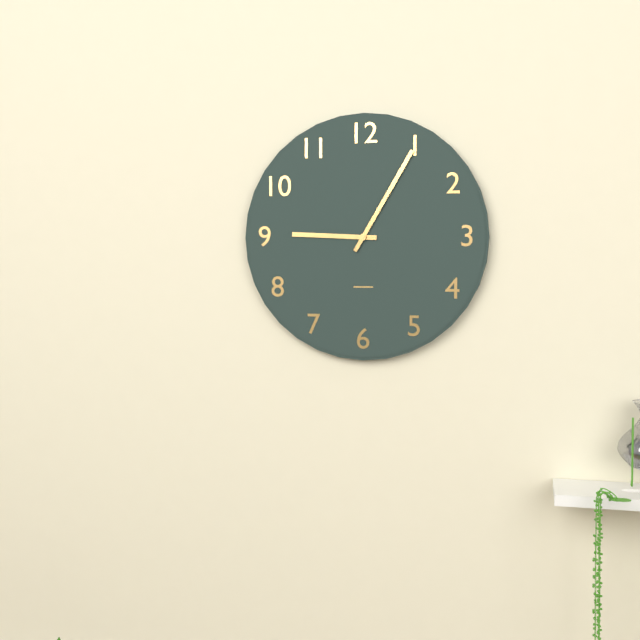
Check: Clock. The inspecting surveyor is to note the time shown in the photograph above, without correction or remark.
9:05
